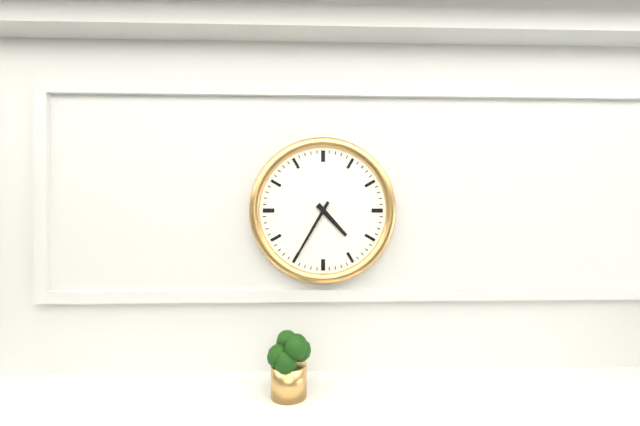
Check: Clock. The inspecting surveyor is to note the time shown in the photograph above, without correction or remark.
4:35
